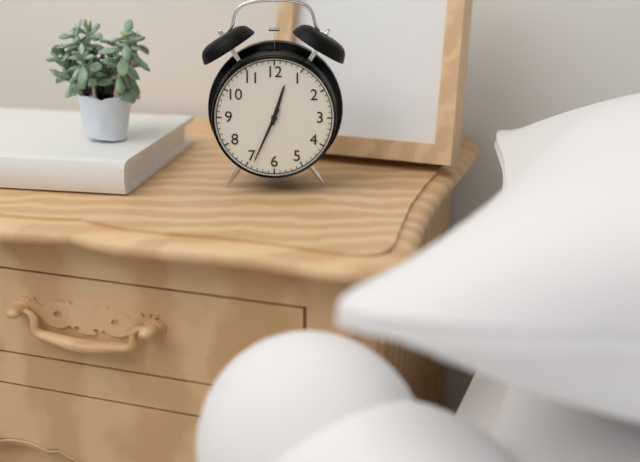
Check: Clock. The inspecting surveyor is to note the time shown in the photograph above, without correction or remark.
12:34
